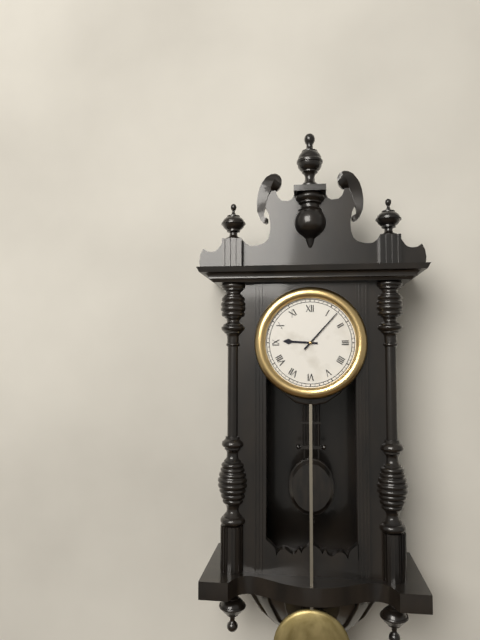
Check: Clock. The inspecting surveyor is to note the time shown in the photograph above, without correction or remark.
9:07
